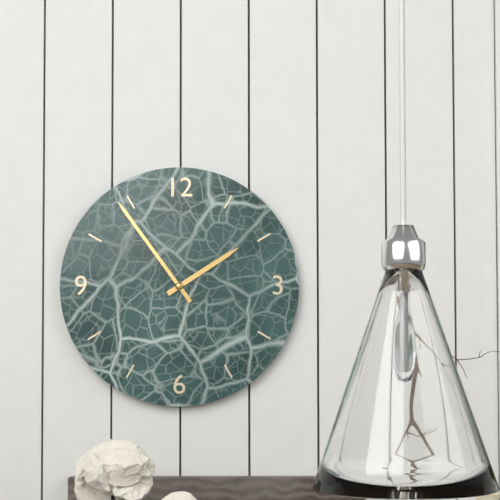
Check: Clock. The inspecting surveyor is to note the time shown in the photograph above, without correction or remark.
1:54
